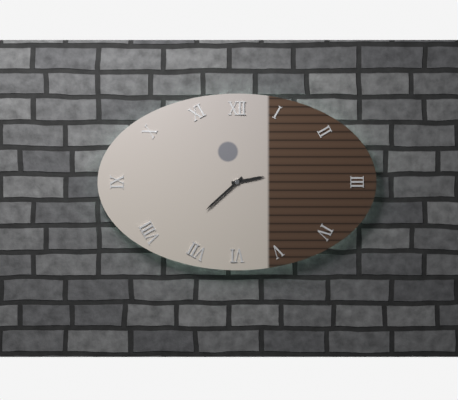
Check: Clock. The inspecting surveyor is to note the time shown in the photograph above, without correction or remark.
2:38
